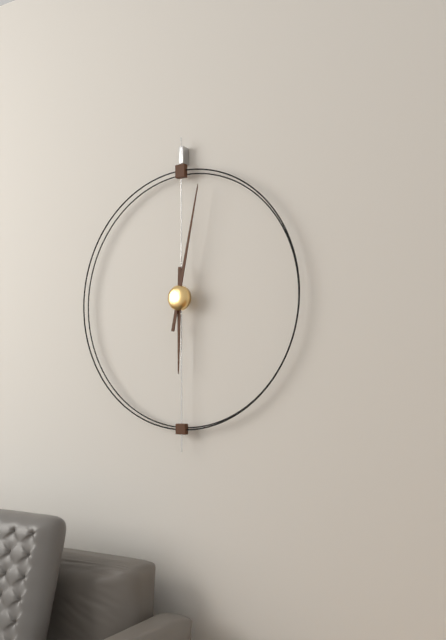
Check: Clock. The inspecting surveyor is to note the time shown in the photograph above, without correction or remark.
6:02
